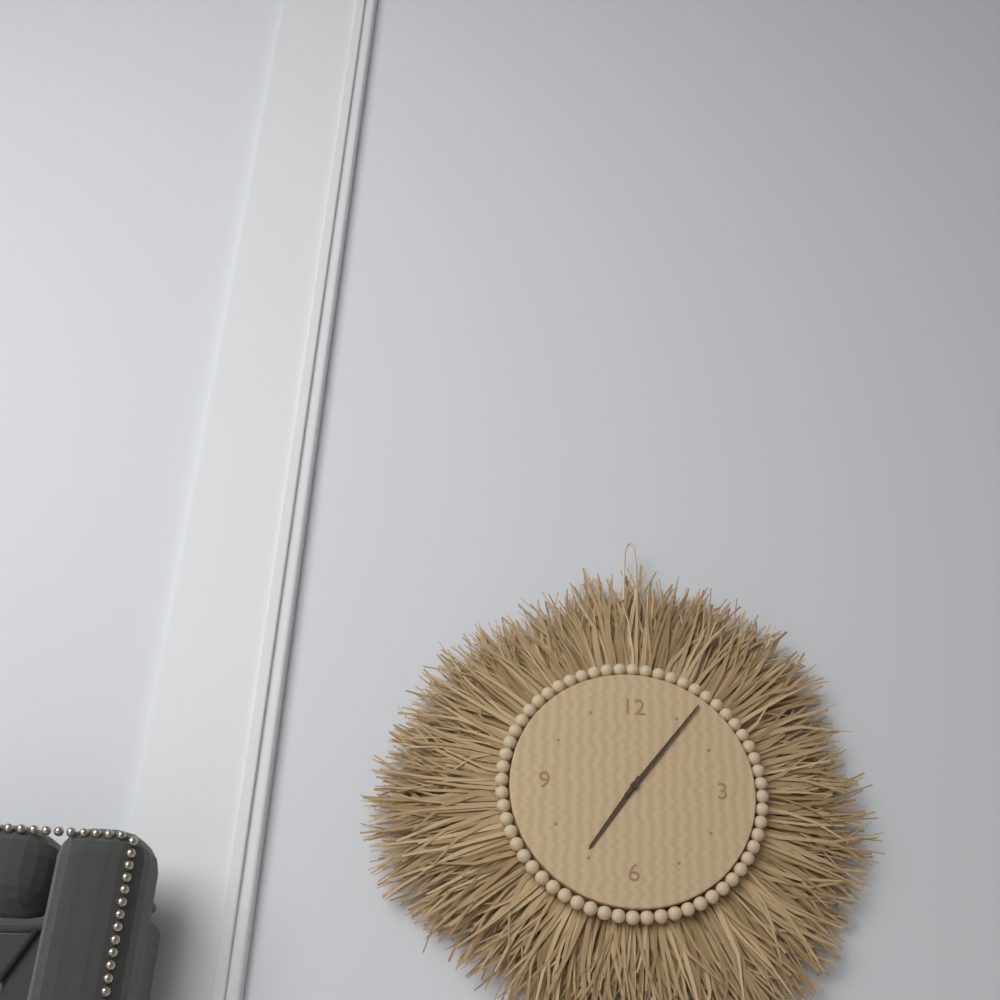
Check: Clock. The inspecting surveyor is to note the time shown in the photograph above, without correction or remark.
7:06
